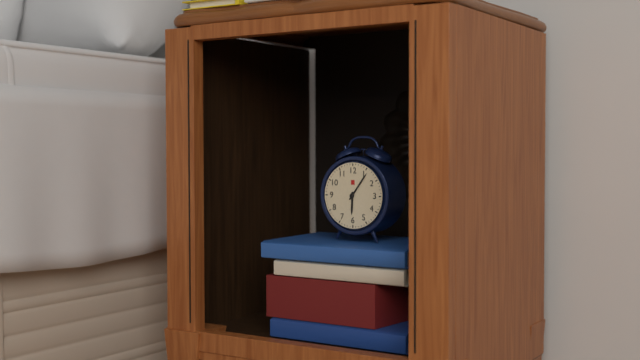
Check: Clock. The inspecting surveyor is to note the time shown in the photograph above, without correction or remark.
6:06
